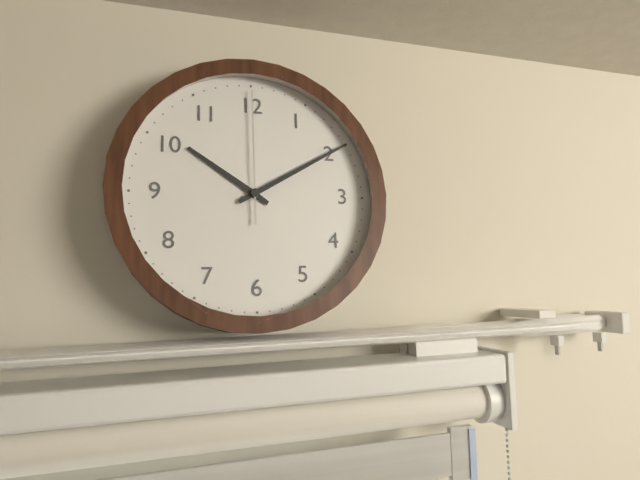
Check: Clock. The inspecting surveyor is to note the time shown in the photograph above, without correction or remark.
10:10:00
